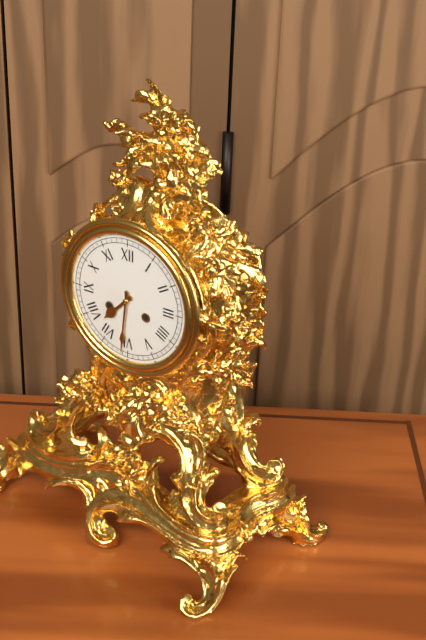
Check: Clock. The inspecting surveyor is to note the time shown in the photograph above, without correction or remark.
7:31
